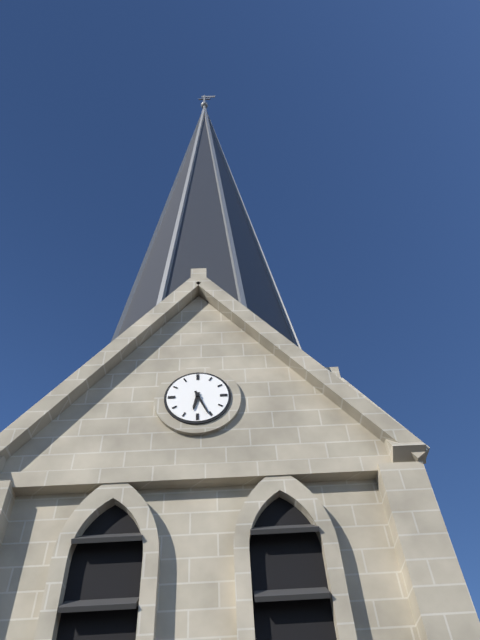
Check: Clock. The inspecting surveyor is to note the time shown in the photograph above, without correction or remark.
6:26
